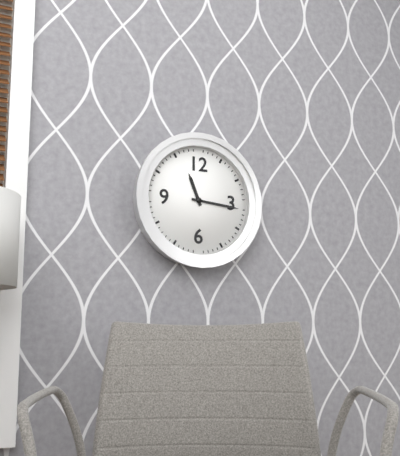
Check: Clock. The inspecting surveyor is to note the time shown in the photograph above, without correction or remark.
11:16
